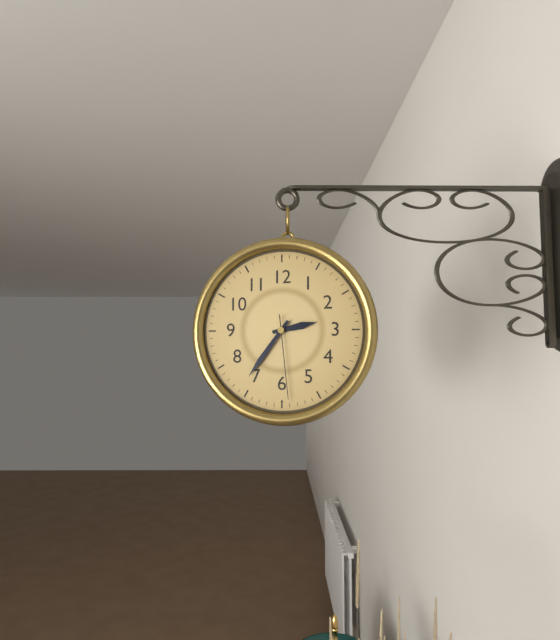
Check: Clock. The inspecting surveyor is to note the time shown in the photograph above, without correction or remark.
2:36:29
